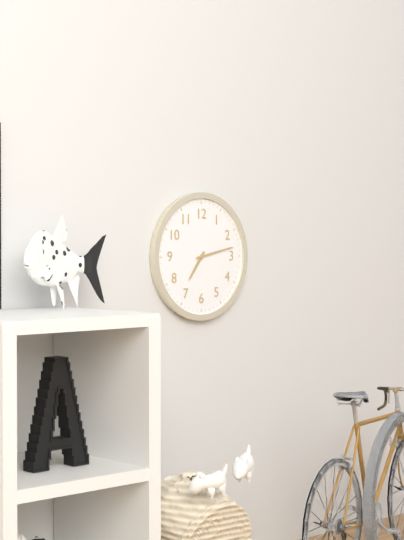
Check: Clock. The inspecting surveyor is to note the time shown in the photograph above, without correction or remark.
7:13
